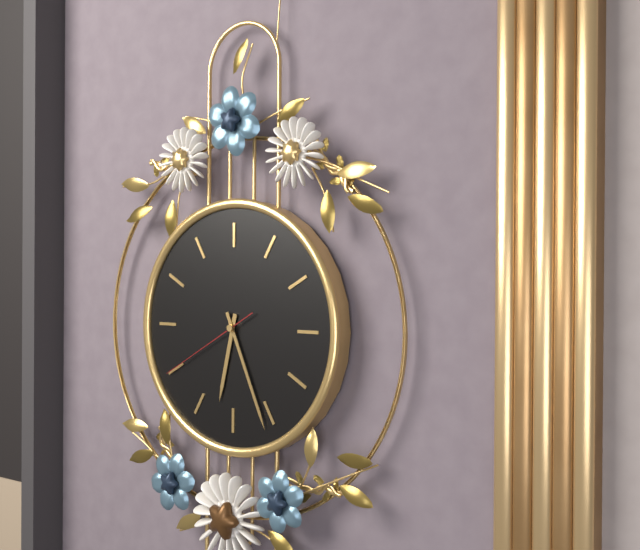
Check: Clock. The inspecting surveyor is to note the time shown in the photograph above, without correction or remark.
6:26:40
